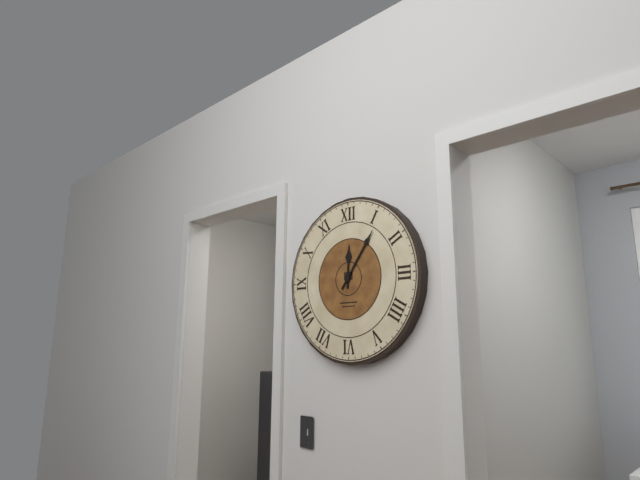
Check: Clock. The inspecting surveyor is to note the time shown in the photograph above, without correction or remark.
12:06
